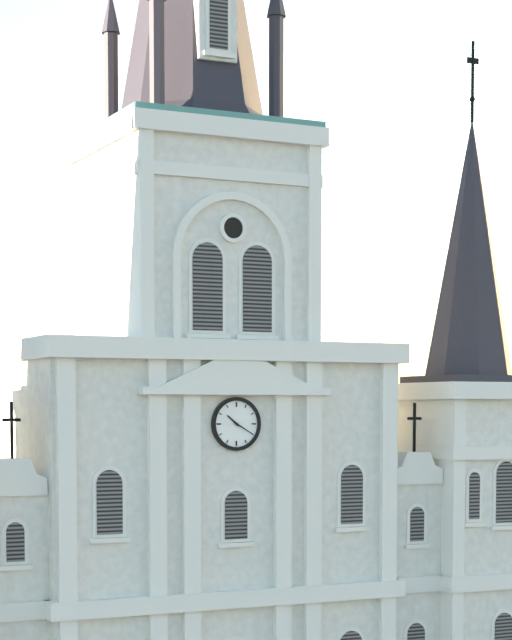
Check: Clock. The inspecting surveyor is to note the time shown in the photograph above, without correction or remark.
10:20
